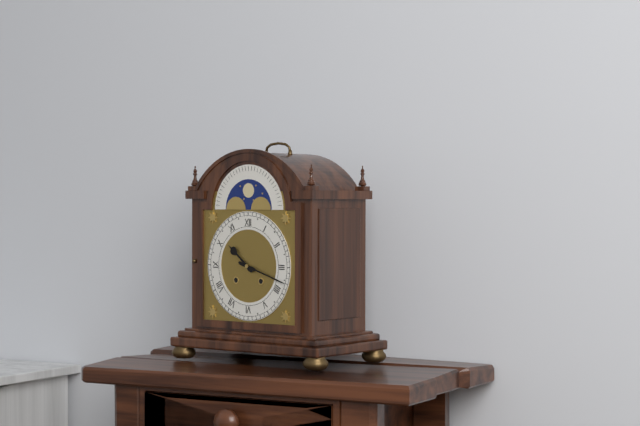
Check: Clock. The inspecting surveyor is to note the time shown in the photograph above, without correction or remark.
10:18
